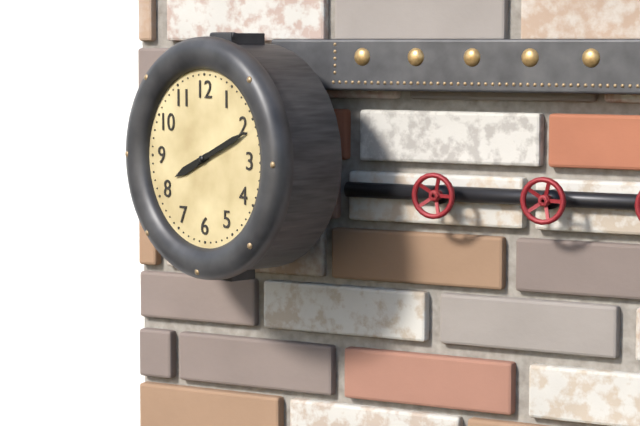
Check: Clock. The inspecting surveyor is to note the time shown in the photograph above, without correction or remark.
8:11
